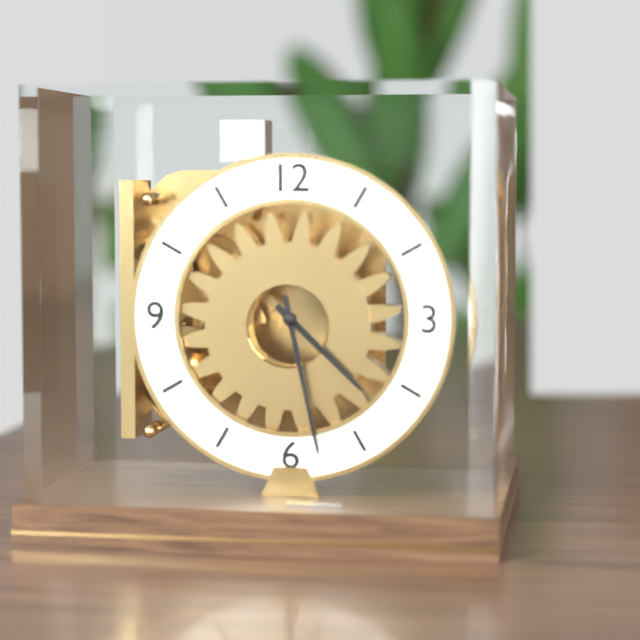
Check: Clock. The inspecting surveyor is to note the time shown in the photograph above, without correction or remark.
4:28
